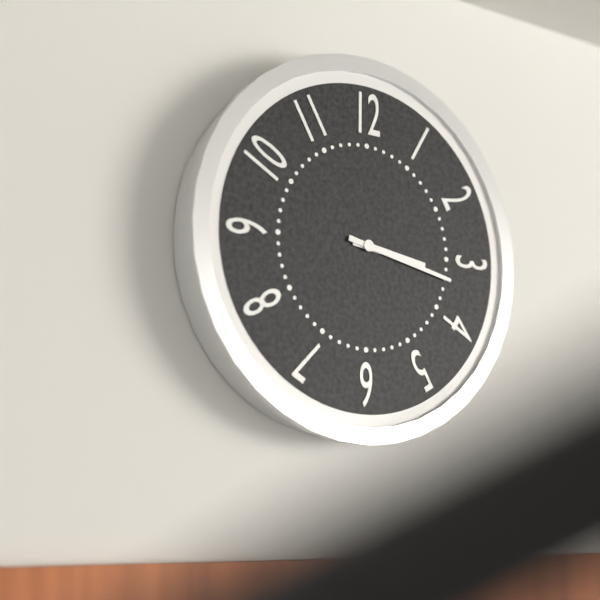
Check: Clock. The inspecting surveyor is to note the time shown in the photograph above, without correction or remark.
3:17
